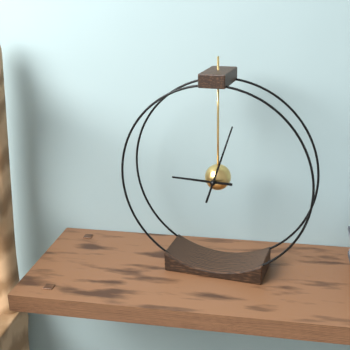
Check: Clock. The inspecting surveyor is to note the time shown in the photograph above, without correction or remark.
9:03
